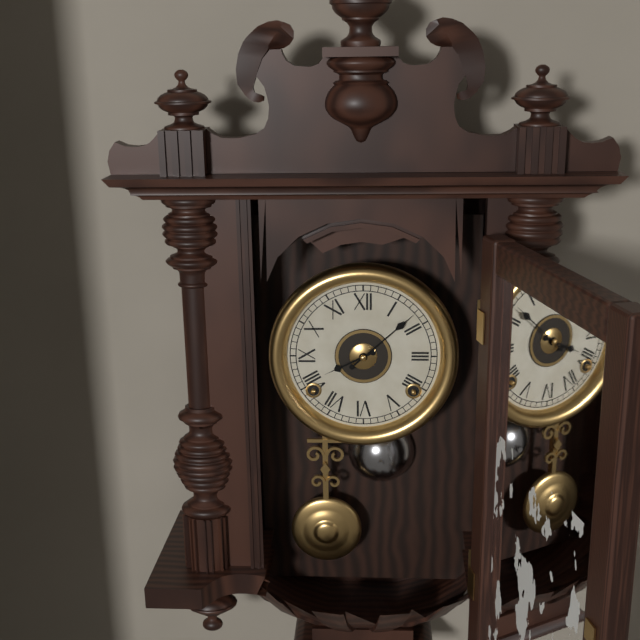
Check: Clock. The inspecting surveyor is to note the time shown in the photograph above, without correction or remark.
8:08
